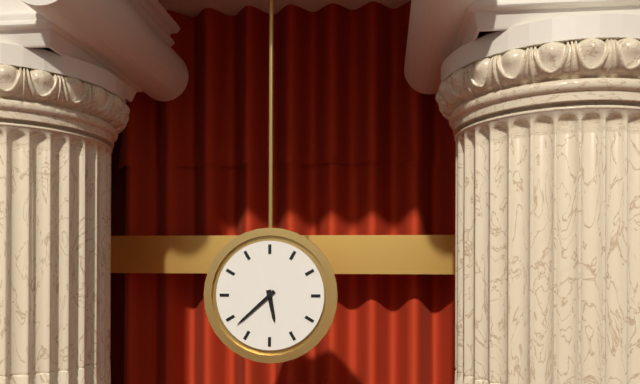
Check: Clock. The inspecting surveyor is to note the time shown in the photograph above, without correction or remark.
5:38
